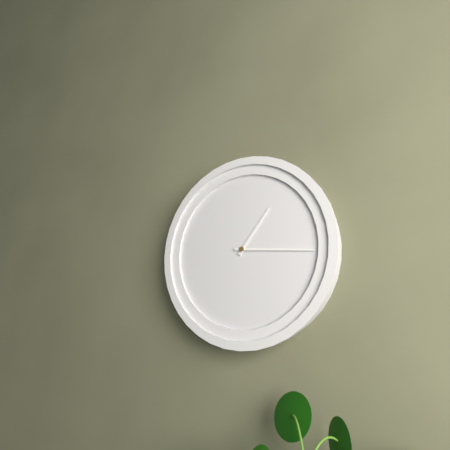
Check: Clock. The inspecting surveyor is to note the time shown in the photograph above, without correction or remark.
1:16
